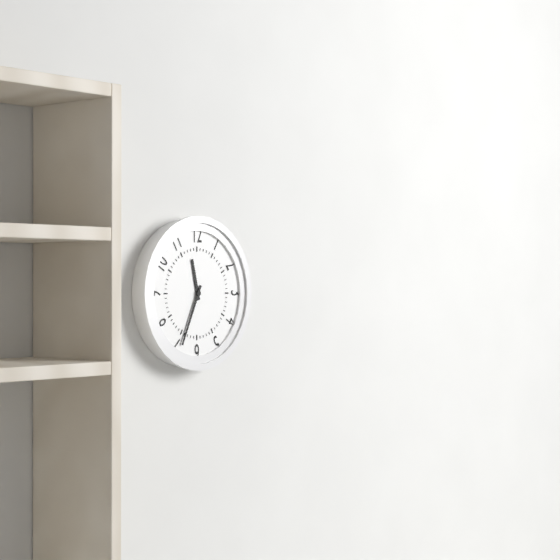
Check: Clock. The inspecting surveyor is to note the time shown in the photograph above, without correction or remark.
11:34
